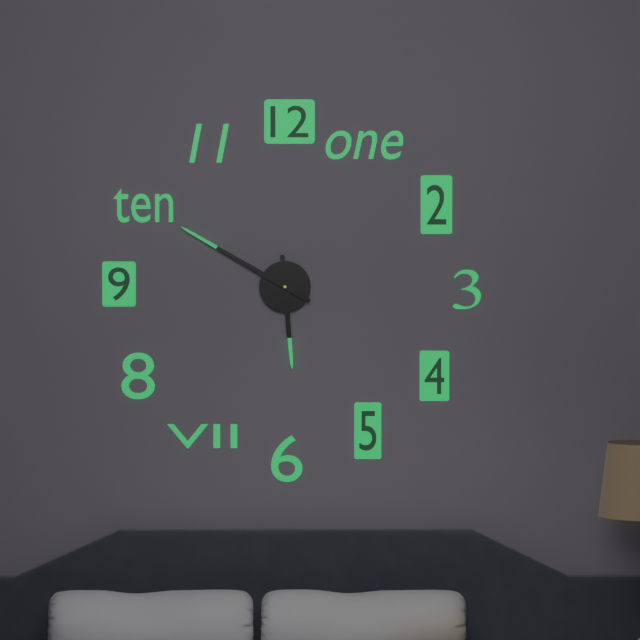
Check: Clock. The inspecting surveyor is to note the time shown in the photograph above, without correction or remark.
5:50
